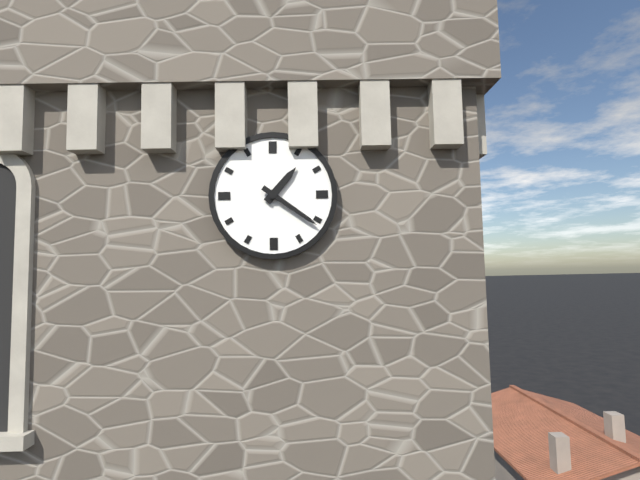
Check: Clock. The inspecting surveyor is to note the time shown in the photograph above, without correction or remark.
1:21
